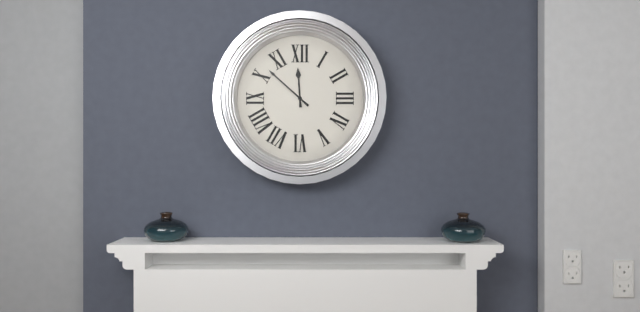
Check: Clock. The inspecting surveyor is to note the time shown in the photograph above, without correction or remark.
11:52
